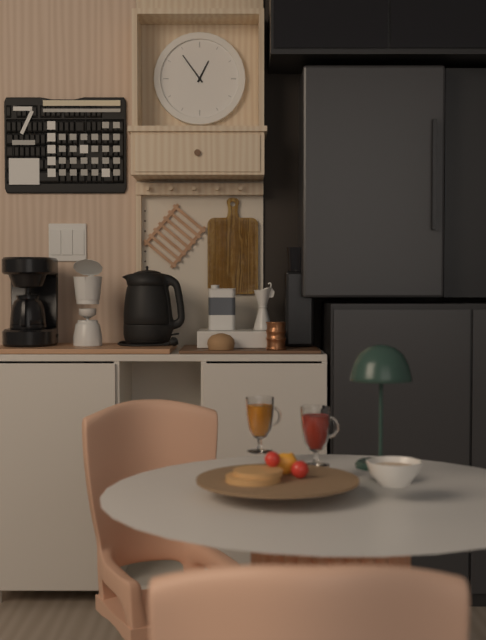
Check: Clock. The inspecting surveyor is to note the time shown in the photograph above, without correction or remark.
12:54
